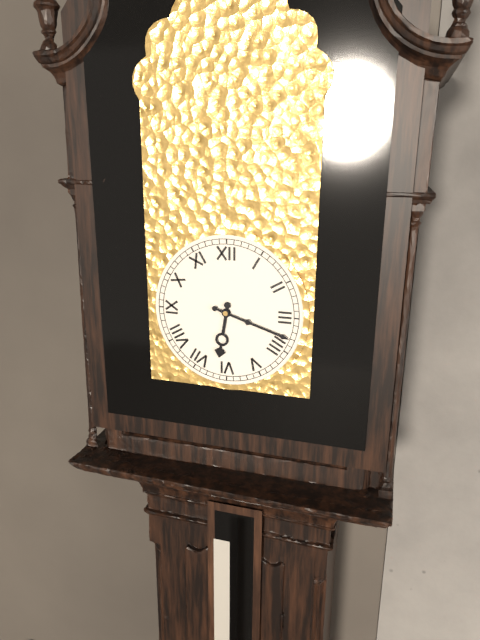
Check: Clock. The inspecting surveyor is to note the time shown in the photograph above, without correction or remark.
6:18
